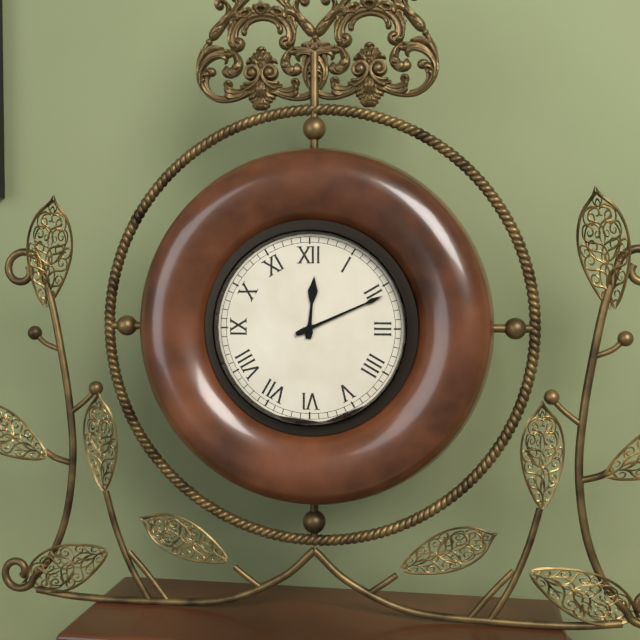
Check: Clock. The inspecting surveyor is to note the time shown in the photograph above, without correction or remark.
12:11
